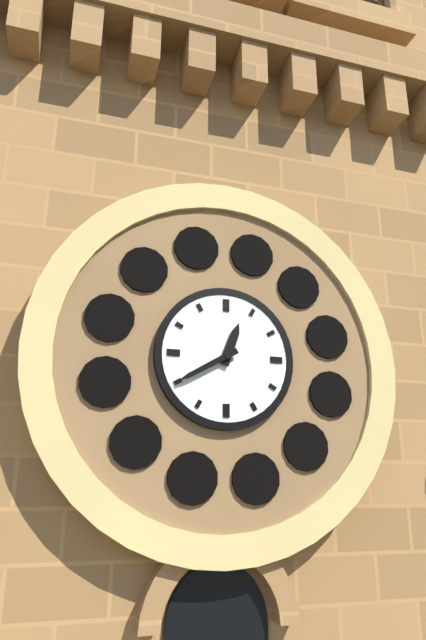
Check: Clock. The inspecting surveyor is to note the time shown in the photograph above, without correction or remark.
12:40
